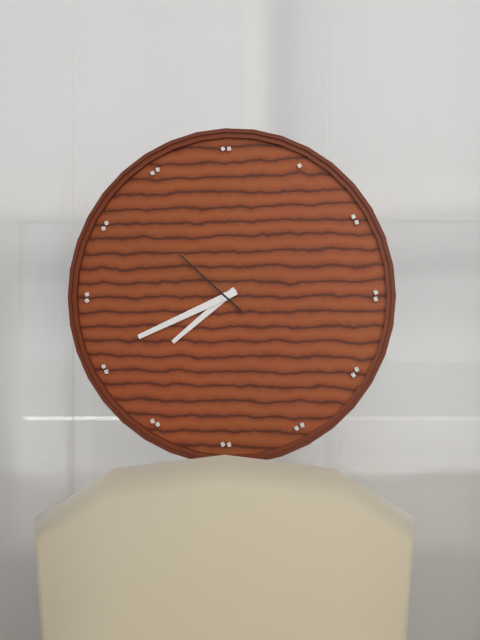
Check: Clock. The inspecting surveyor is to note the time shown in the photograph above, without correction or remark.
7:41:52
